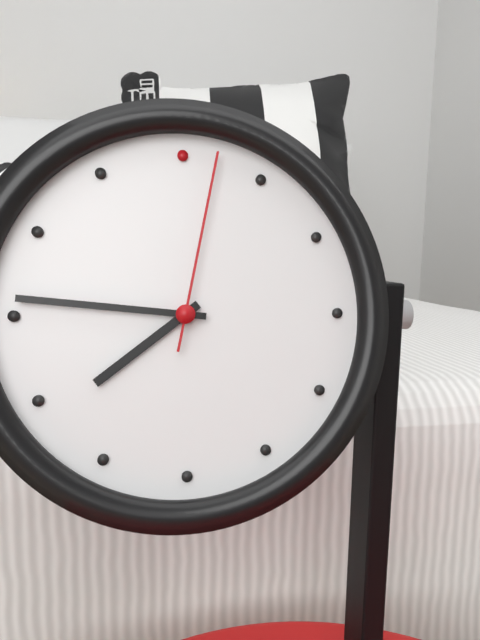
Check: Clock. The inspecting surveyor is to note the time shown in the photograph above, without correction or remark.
7:46:02
